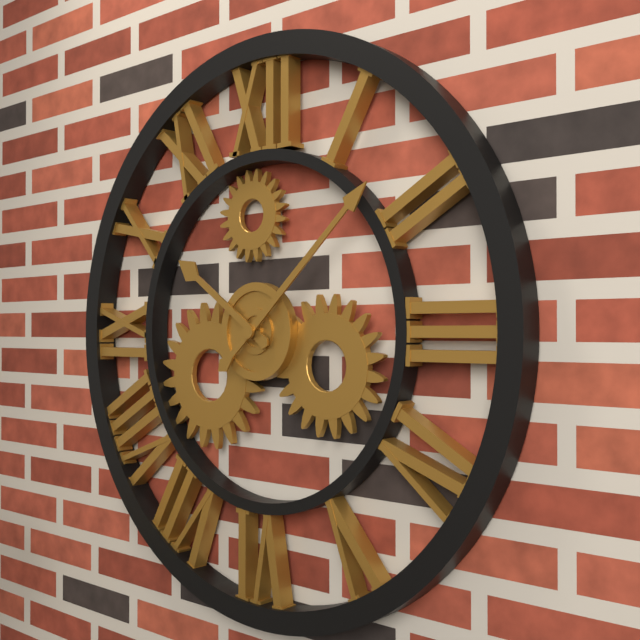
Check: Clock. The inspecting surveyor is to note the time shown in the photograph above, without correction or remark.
10:08
